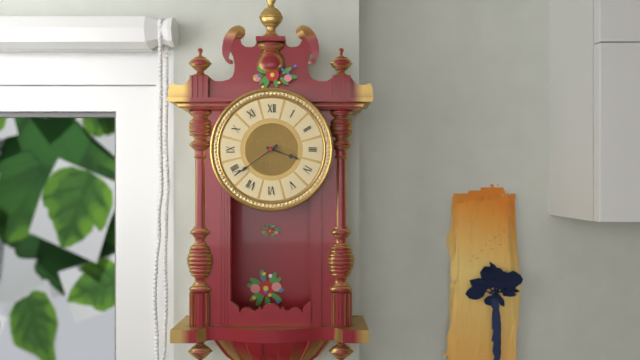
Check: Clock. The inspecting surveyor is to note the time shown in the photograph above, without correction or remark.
3:39
